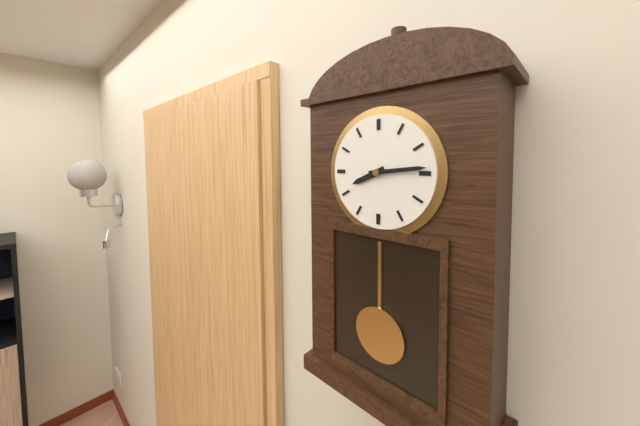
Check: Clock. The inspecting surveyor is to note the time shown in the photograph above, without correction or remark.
8:14
